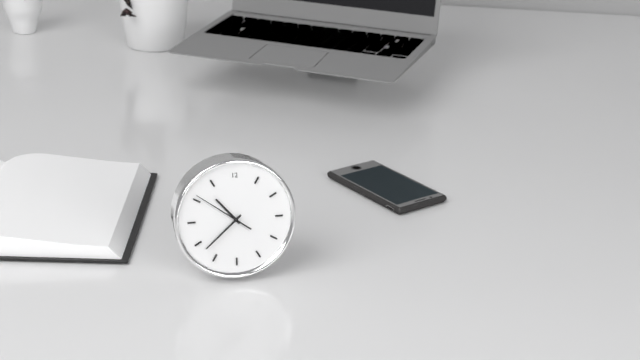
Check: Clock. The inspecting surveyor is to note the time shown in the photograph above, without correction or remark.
10:38:51
